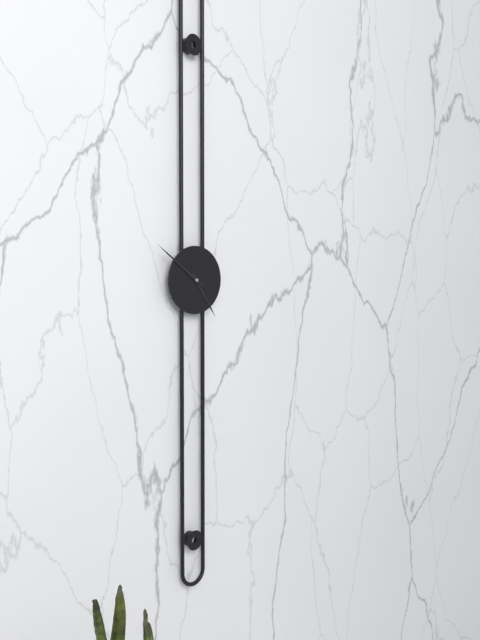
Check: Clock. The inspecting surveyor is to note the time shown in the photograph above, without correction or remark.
4:51
